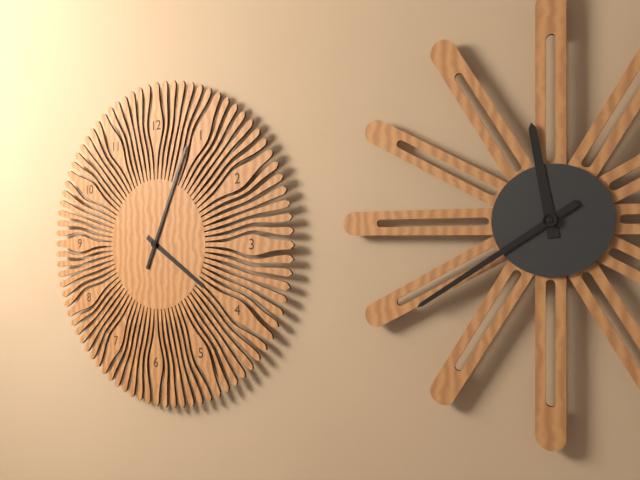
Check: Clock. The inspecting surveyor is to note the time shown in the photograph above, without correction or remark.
4:04
